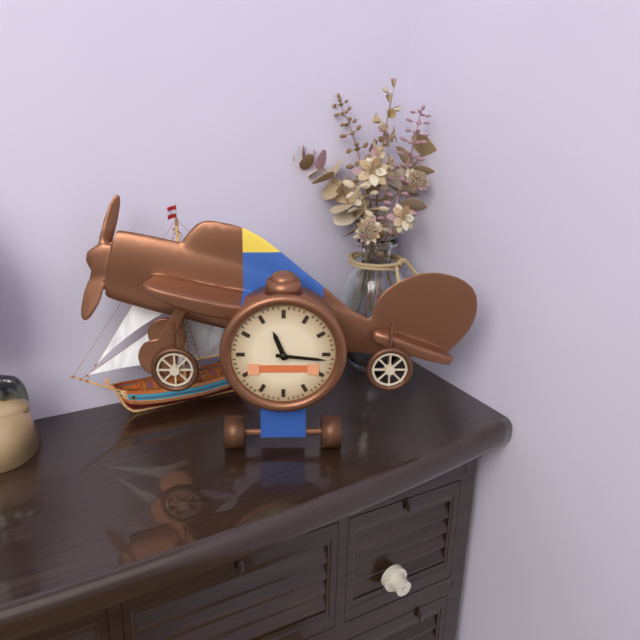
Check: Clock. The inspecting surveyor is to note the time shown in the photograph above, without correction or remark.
11:16
